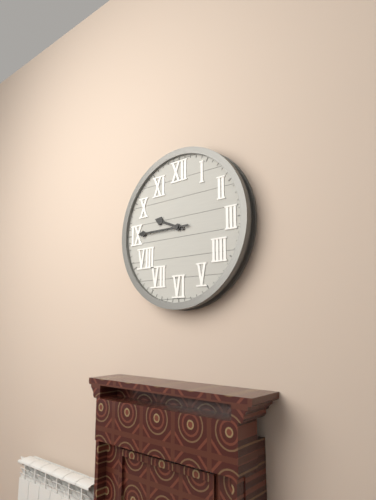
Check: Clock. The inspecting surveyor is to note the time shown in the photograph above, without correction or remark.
9:45
